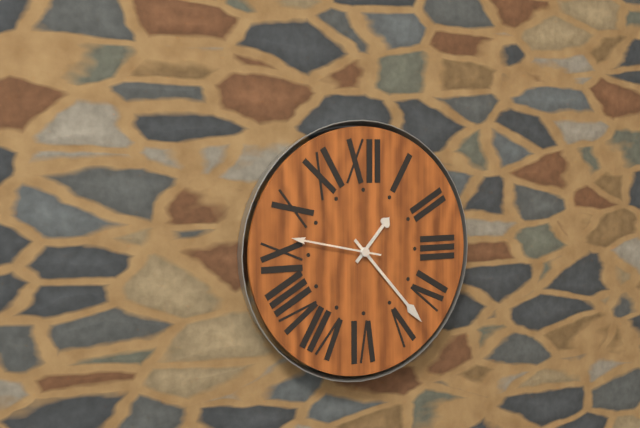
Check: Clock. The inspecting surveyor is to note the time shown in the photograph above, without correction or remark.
1:23:47
